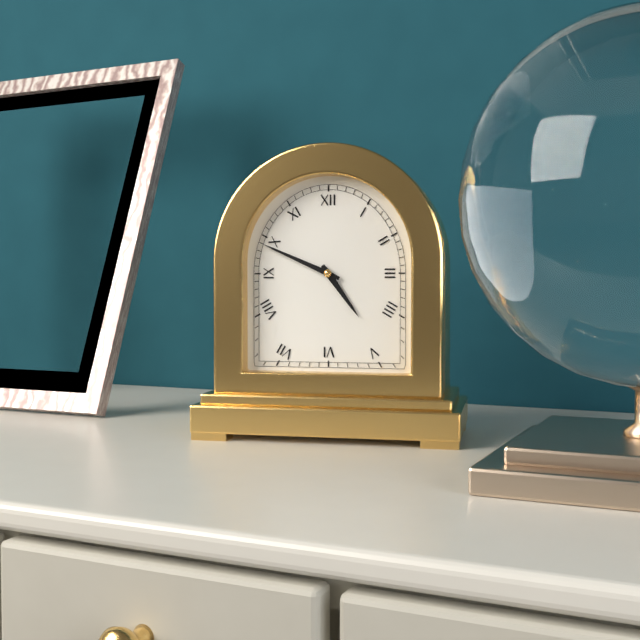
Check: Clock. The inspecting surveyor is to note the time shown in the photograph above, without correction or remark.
4:49
